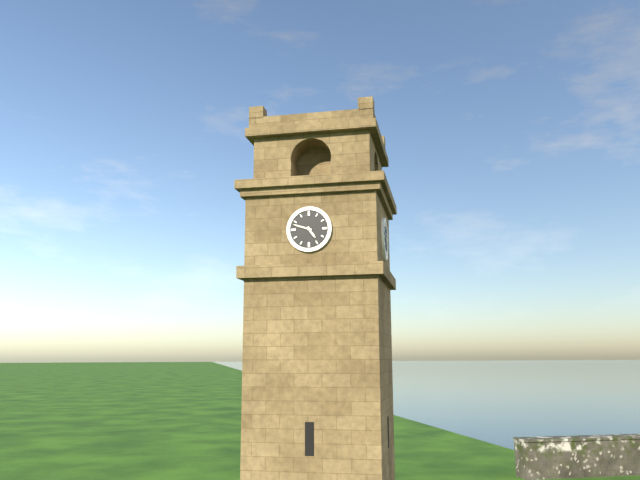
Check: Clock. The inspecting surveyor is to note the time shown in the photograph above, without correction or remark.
4:48
